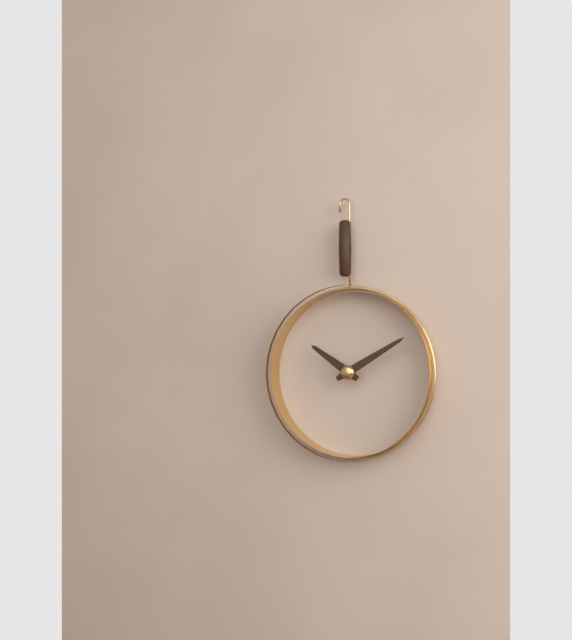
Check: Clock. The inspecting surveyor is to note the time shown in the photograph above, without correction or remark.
10:10
